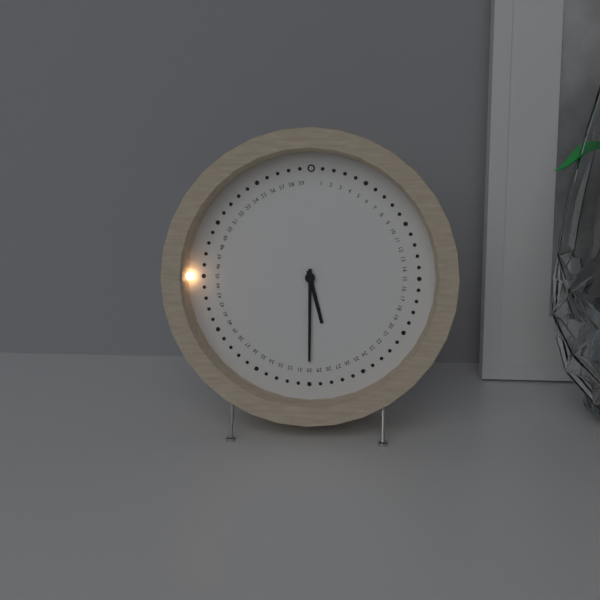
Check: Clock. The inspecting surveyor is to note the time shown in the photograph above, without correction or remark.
5:30
